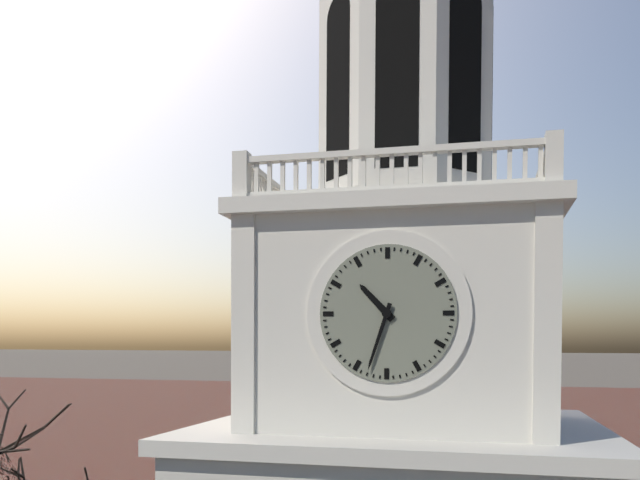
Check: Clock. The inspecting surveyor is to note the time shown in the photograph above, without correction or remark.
10:33
